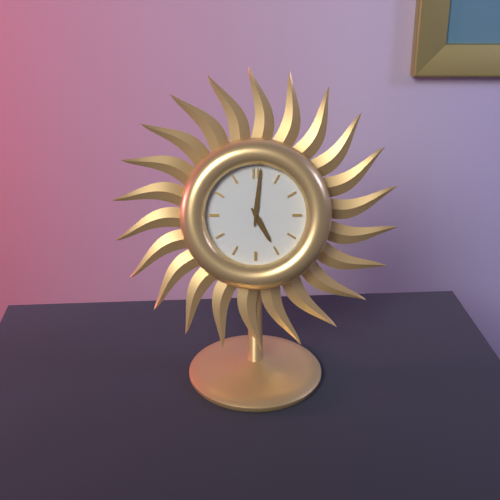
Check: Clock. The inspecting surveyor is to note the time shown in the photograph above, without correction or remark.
5:01
